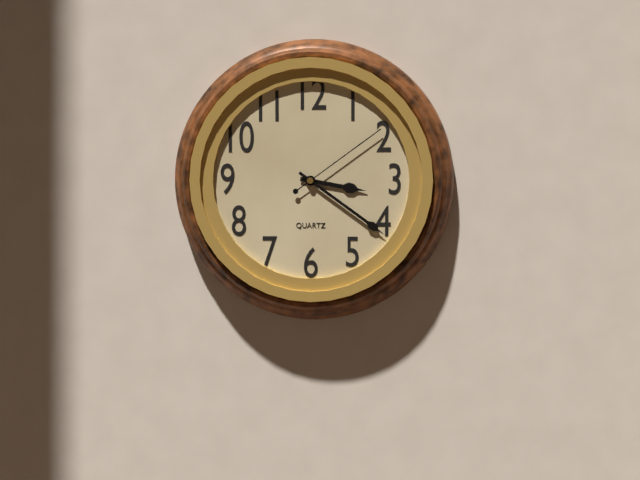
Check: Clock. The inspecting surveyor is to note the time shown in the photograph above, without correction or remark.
3:21:09
